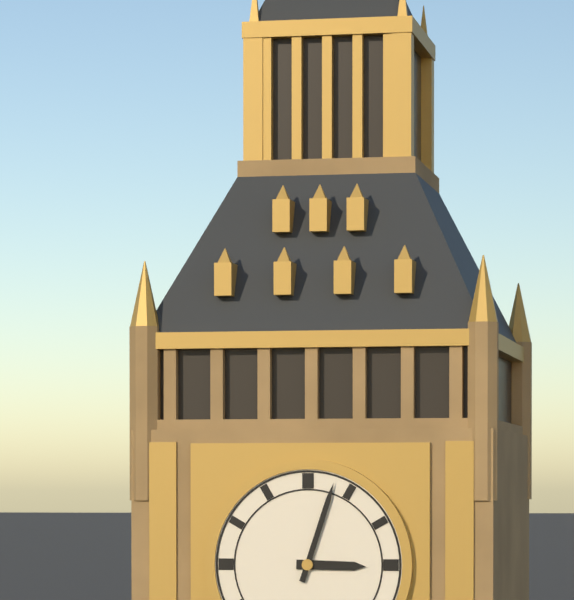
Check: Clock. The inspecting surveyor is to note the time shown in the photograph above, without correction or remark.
3:03
